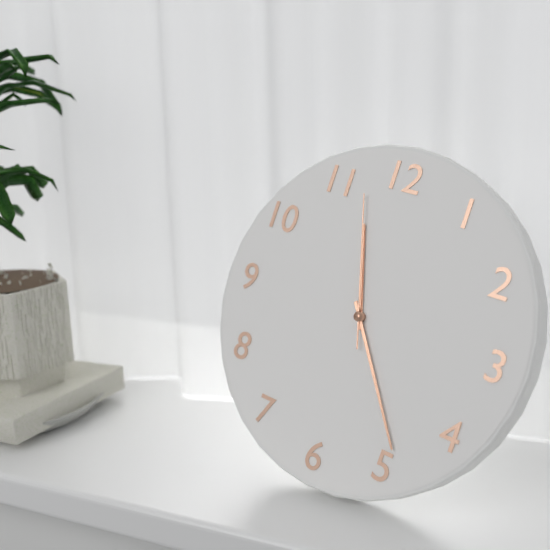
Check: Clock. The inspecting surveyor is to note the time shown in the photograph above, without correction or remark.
11:24:57
